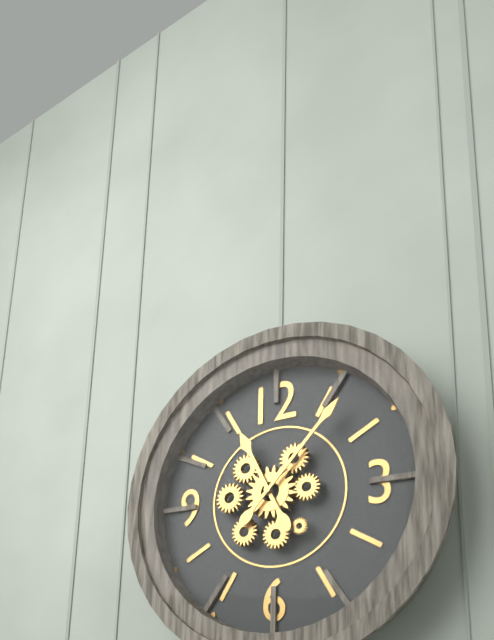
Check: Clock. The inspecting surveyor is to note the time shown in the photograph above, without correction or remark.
11:07
